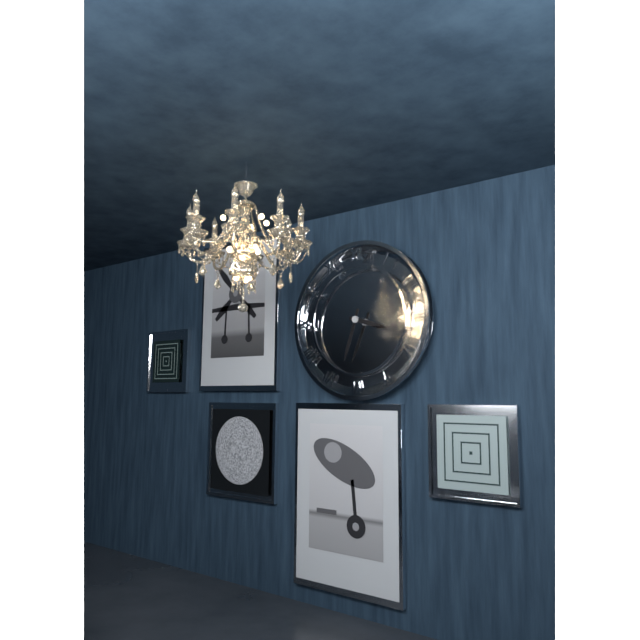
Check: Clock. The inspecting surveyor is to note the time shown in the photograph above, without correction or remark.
3:33
